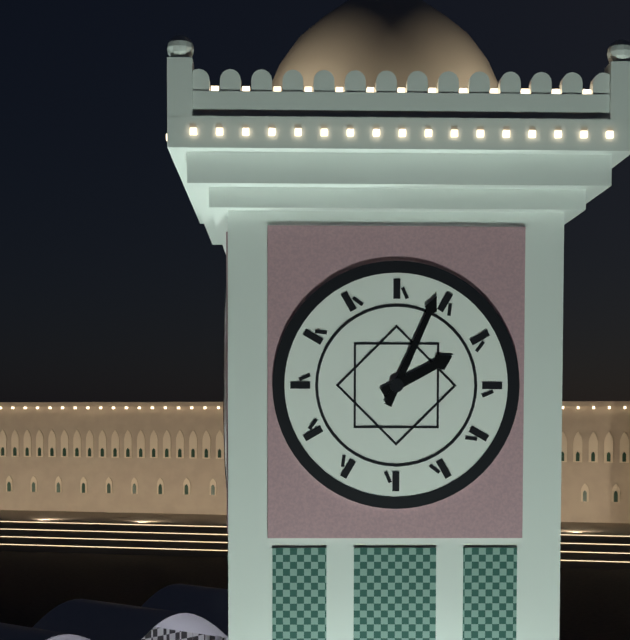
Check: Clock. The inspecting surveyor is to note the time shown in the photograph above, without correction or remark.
2:04
